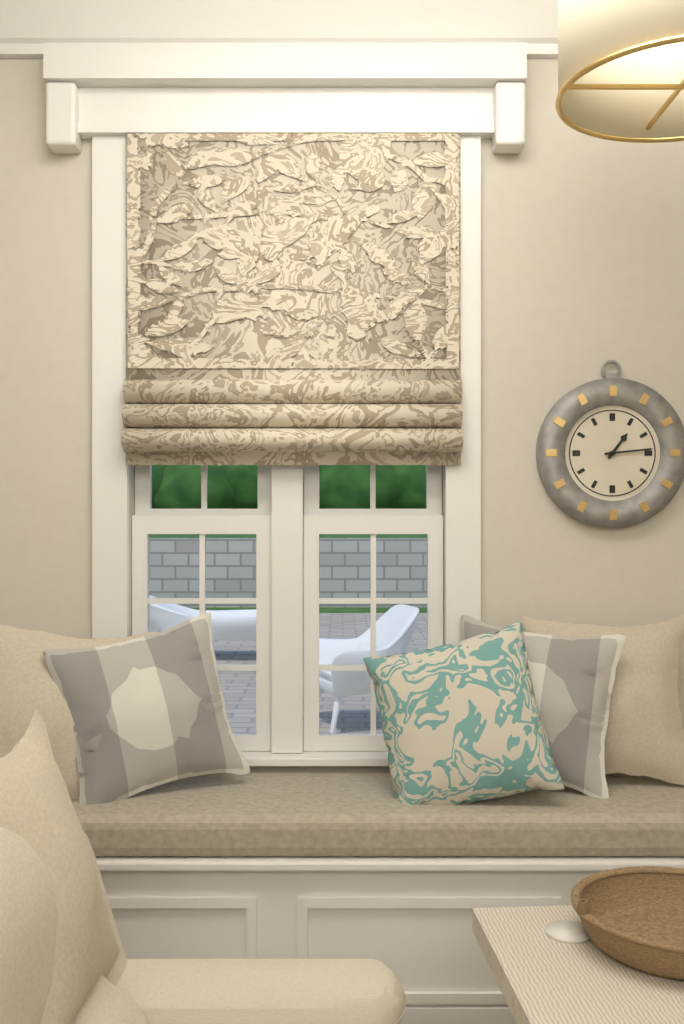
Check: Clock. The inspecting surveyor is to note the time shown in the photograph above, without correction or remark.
1:14
